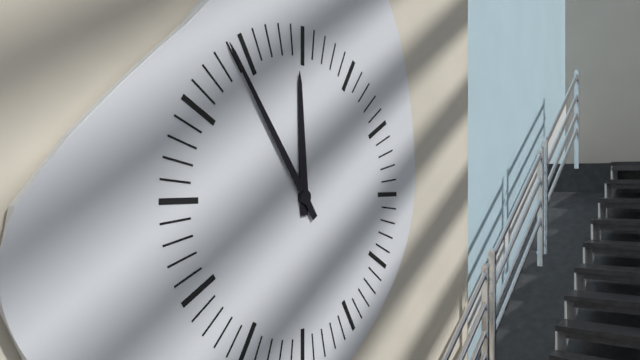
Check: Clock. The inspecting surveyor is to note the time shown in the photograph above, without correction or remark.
11:54
